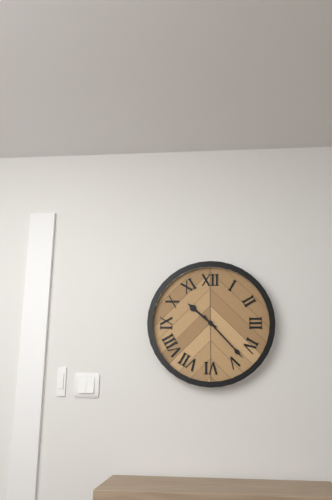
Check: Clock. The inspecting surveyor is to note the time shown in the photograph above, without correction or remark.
10:23
